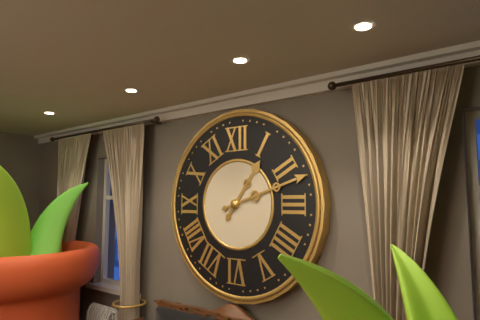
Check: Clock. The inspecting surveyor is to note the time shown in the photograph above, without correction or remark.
1:12
